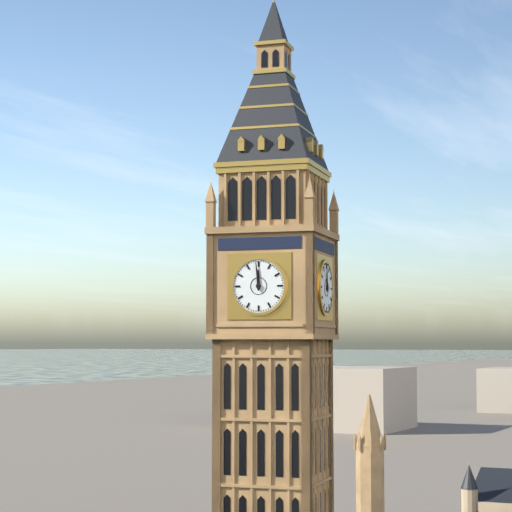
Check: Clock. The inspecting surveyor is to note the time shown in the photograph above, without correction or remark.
11:59
